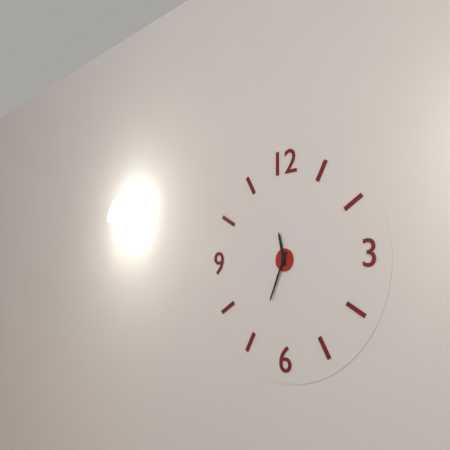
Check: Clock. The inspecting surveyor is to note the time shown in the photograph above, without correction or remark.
11:34
